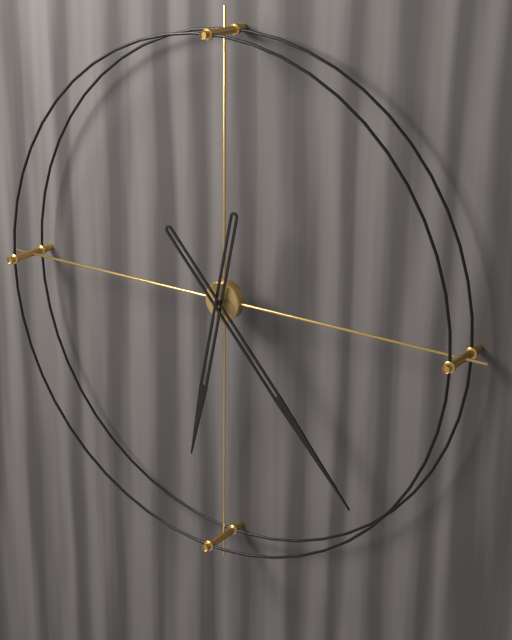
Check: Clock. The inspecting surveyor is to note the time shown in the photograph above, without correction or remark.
6:23
